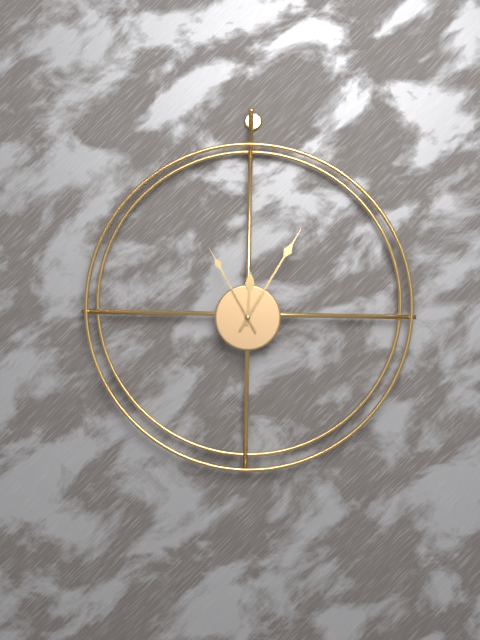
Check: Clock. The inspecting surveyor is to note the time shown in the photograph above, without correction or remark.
12:05:55
